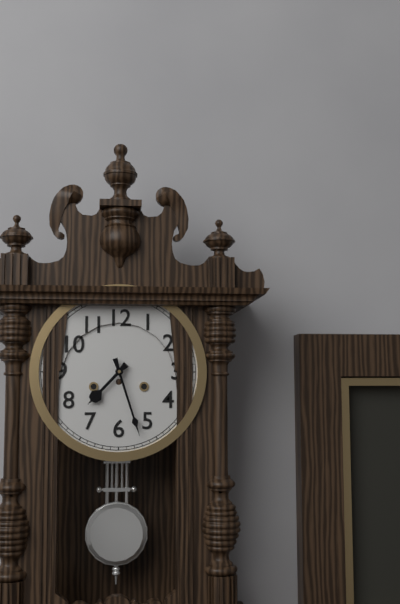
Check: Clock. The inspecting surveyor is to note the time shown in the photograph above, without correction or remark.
7:27
